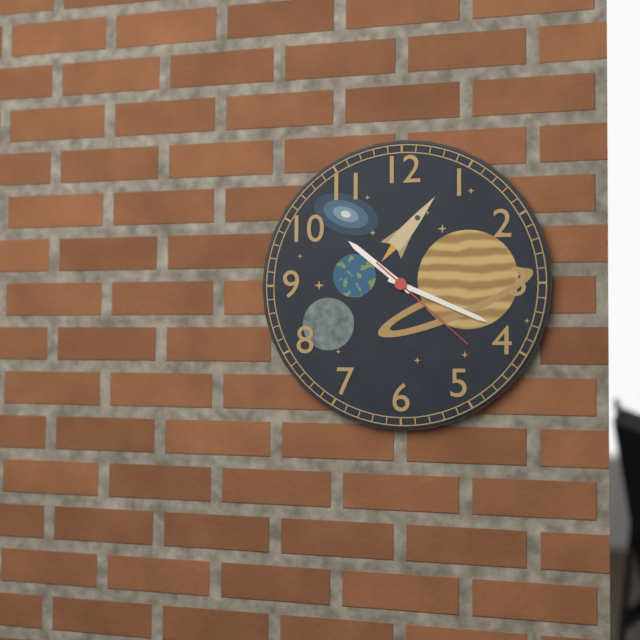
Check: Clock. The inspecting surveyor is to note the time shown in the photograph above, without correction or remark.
10:19:22
